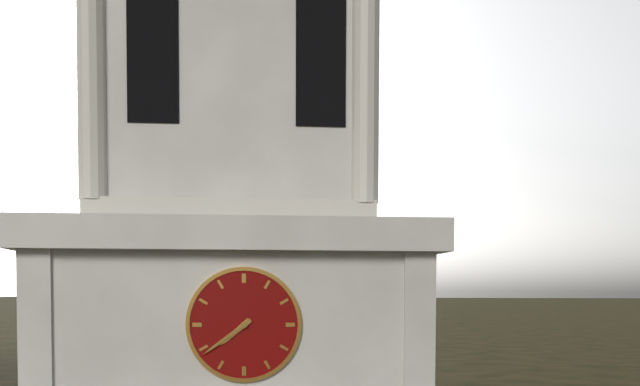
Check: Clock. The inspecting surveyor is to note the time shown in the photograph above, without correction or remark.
7:39
